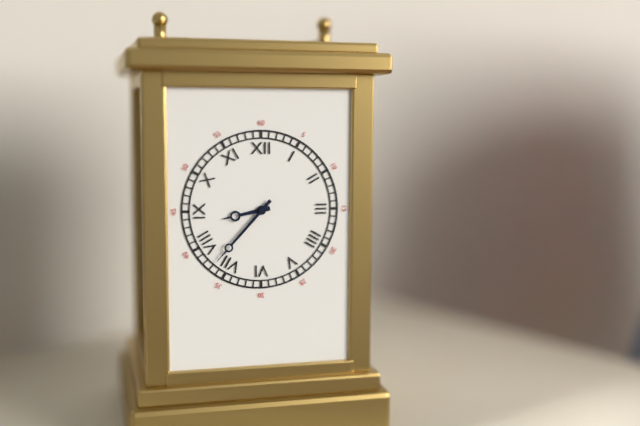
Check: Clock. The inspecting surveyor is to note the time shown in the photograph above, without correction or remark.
8:37
